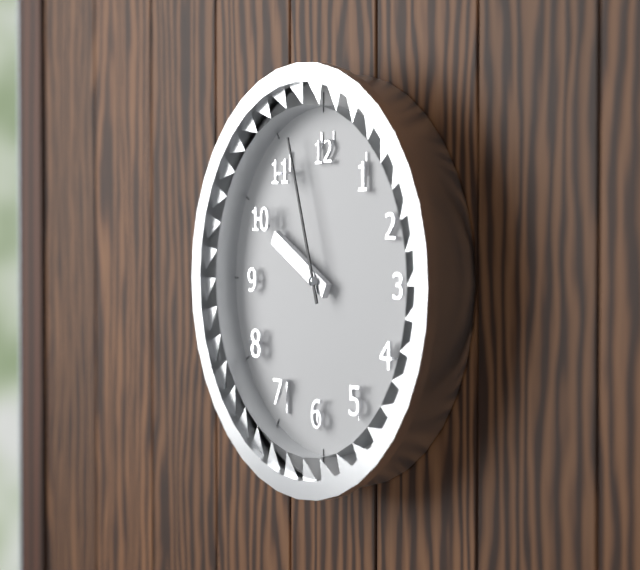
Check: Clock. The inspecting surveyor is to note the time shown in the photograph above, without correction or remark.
9:57
